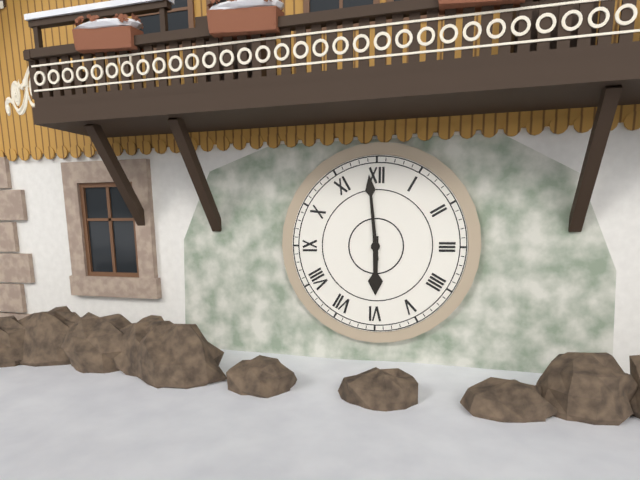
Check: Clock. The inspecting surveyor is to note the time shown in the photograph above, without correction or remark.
5:59
